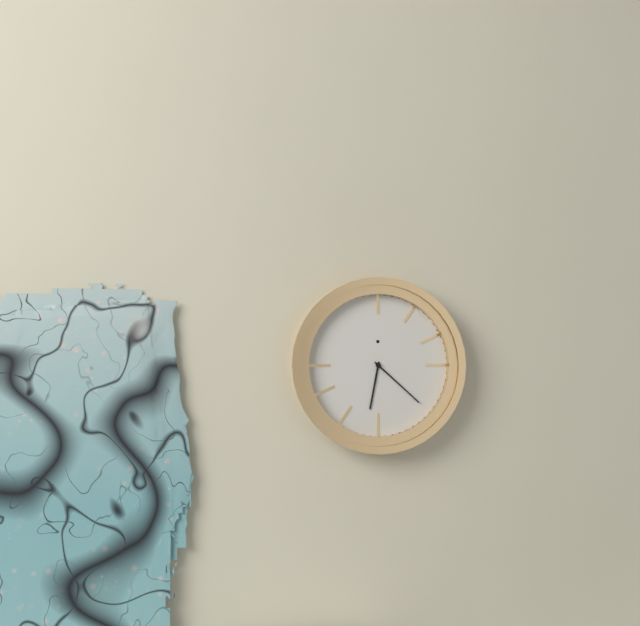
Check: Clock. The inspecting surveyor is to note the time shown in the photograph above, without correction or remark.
6:22
